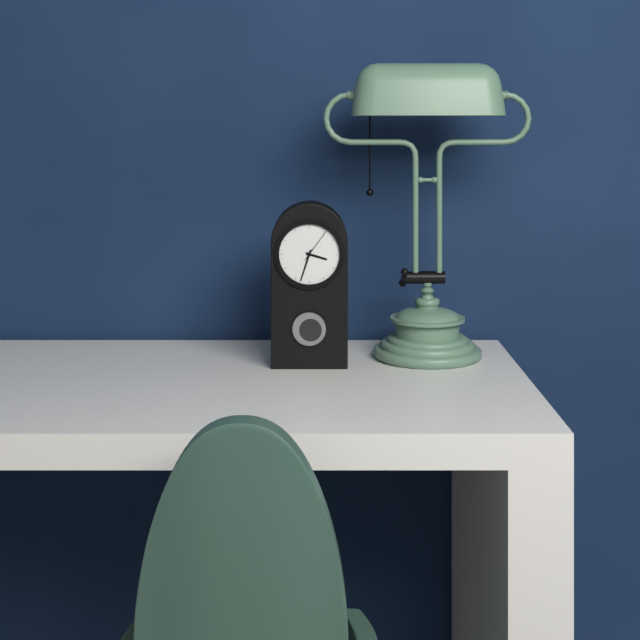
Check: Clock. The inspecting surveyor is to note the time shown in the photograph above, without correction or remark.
3:33
